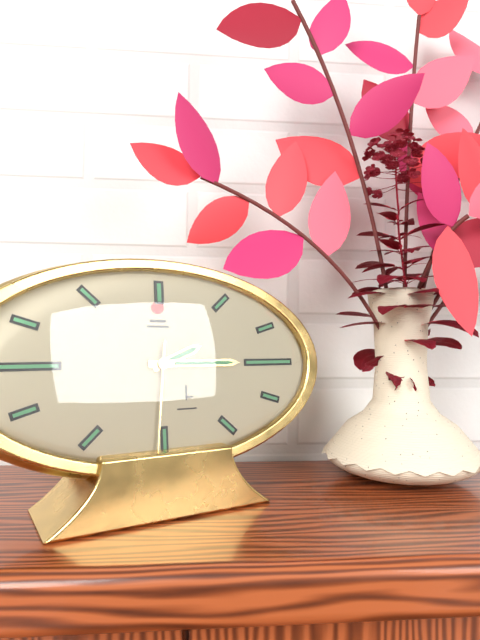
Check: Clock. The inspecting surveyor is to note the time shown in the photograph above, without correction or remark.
2:15:31
